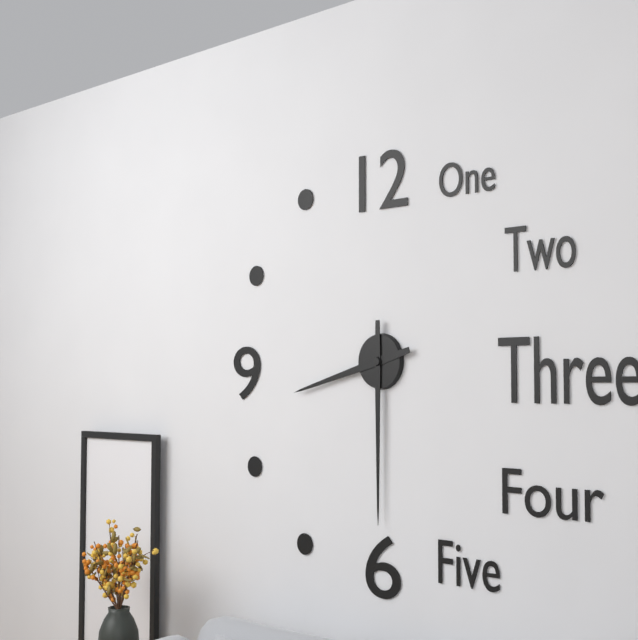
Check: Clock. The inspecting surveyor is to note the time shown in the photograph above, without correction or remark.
8:30
